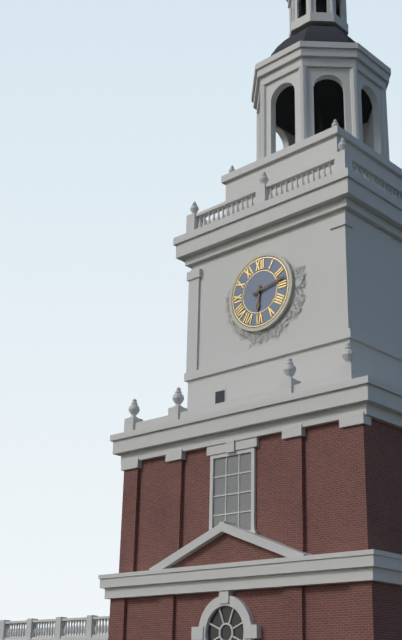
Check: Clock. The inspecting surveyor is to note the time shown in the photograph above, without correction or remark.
6:13
